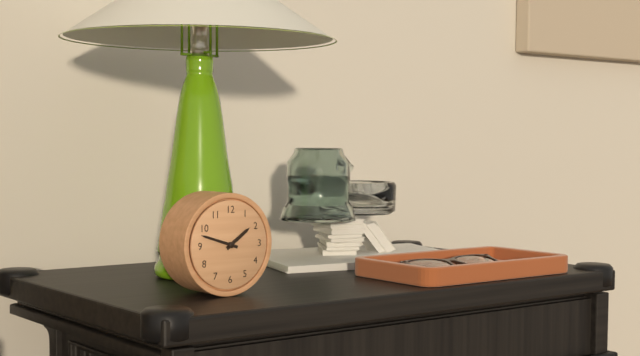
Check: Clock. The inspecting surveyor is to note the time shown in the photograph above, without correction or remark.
1:48
